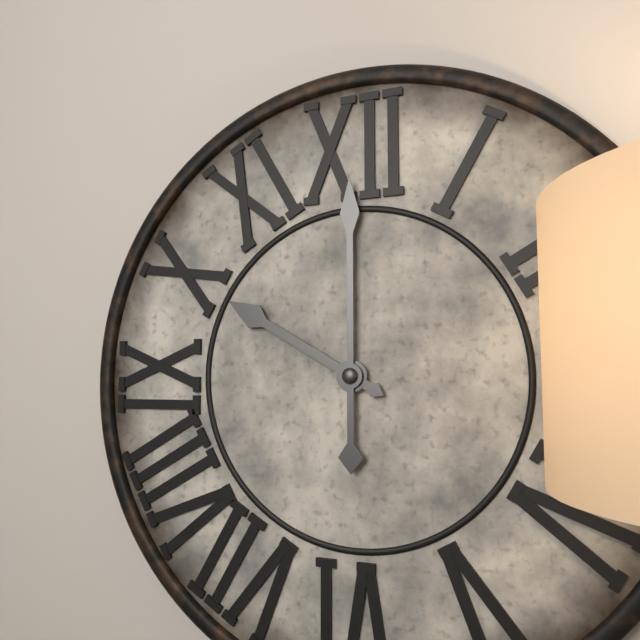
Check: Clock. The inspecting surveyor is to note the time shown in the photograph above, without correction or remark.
10:00
